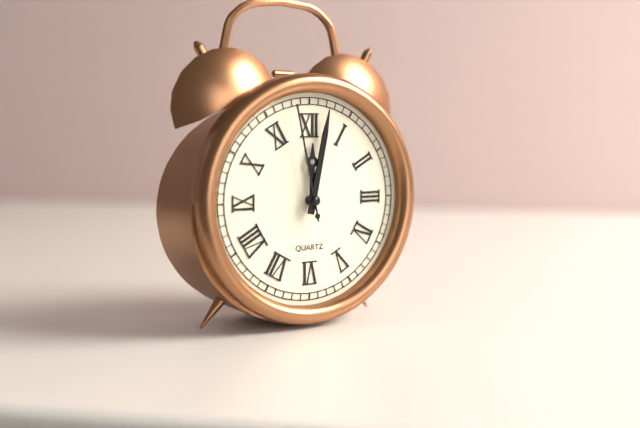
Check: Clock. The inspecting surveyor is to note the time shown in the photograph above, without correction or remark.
12:02:58
